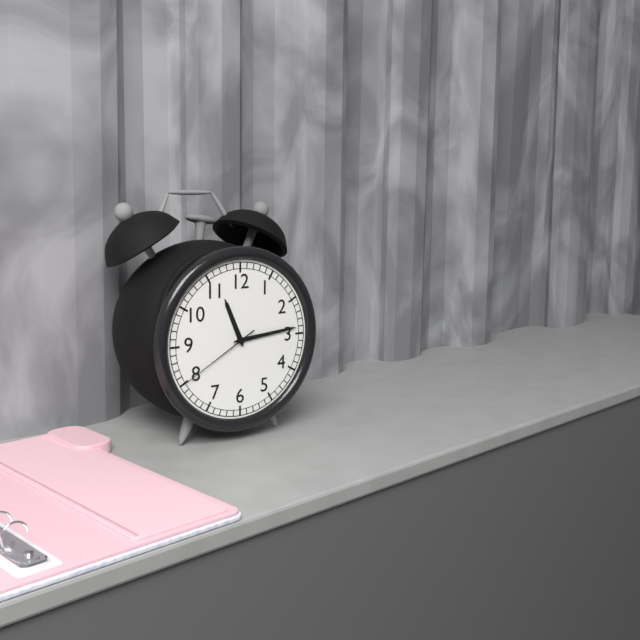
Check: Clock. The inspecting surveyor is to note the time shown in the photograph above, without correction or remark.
11:14:40
